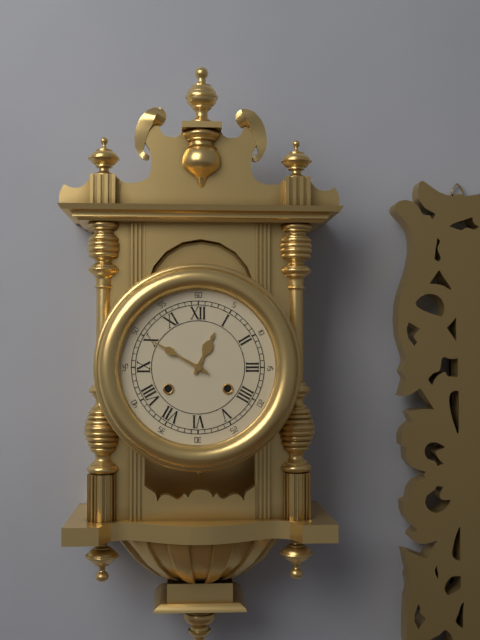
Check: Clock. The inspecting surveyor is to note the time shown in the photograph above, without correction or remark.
12:50
